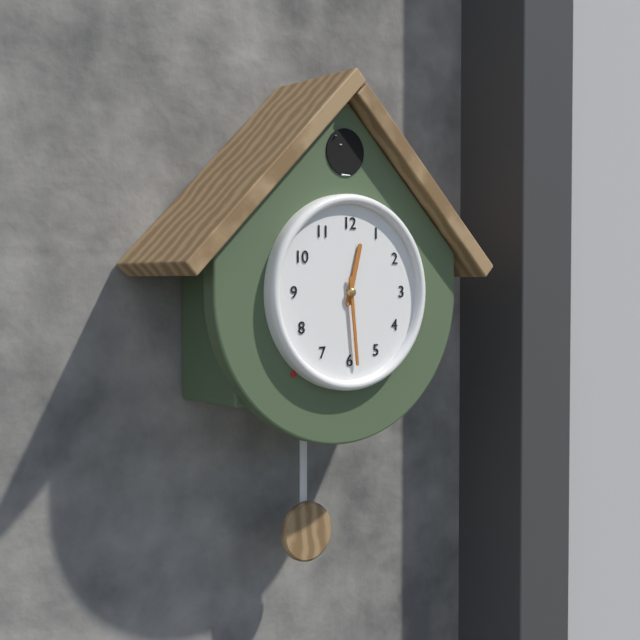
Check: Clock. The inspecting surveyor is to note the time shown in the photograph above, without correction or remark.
12:29
